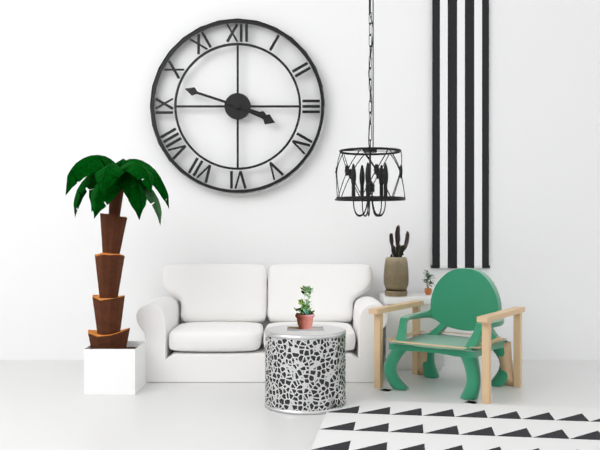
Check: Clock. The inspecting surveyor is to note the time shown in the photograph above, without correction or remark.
3:48
